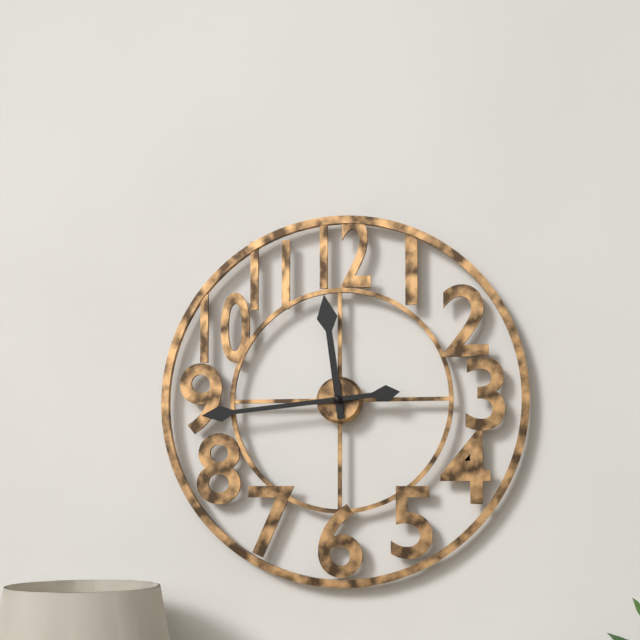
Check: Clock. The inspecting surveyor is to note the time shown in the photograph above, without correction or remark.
11:44
